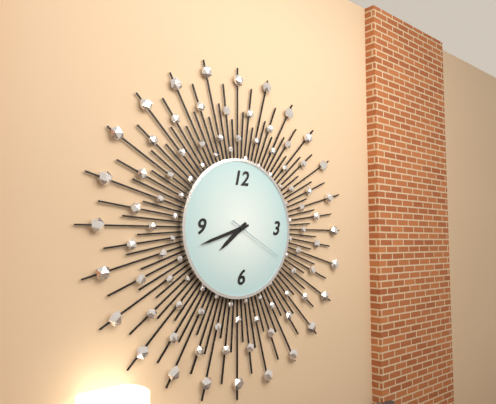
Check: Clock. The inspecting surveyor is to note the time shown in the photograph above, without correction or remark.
7:42:20
